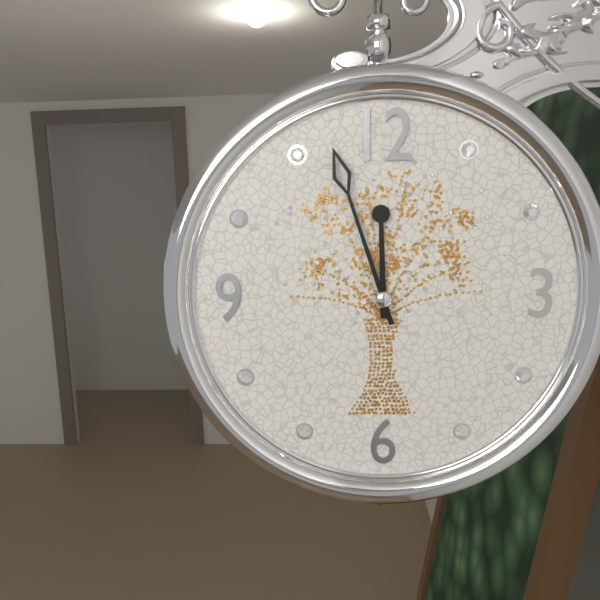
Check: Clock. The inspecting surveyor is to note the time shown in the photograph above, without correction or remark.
11:57
